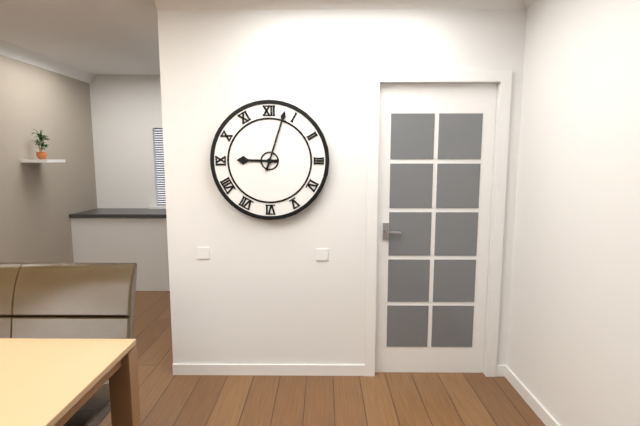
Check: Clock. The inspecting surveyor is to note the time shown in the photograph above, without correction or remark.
9:03
